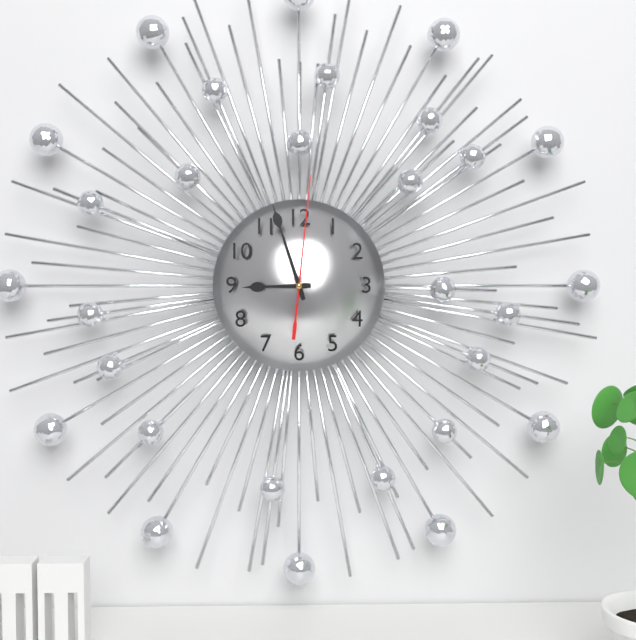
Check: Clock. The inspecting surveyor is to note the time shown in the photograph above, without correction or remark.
8:57:01
